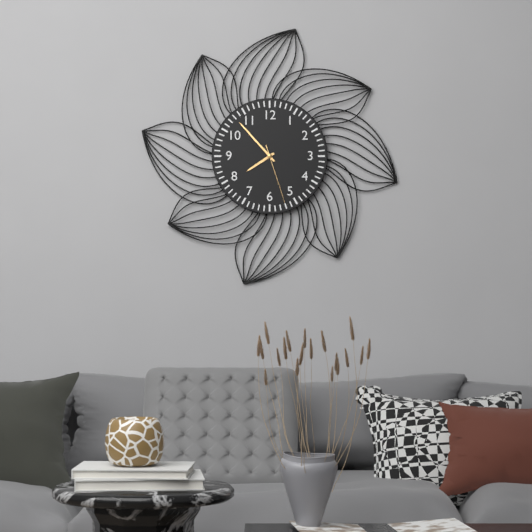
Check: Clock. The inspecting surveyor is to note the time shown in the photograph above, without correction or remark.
7:53:27
